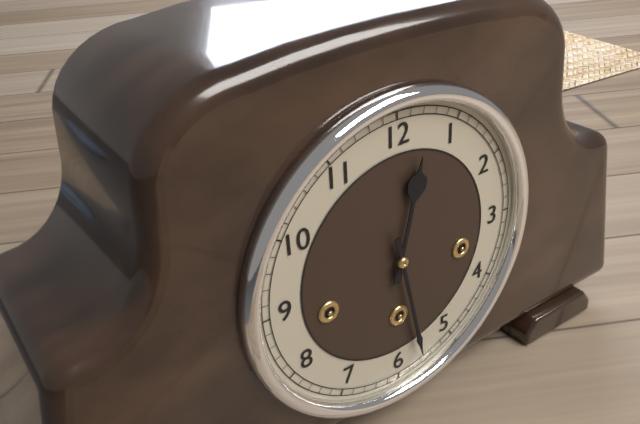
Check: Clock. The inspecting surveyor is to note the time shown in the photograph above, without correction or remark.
12:28
